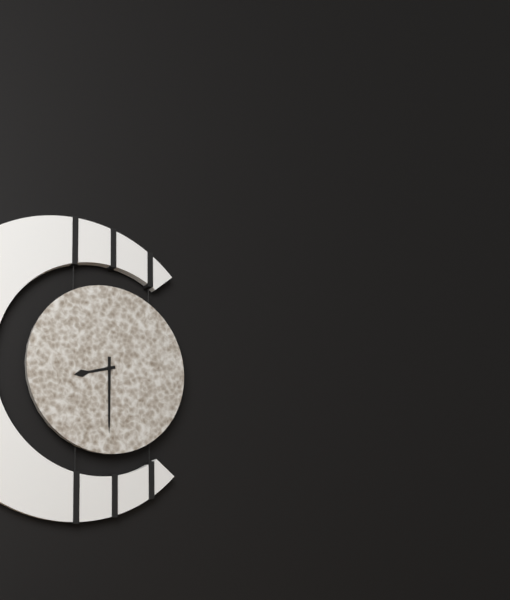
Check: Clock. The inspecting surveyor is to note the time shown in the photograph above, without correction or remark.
8:30
